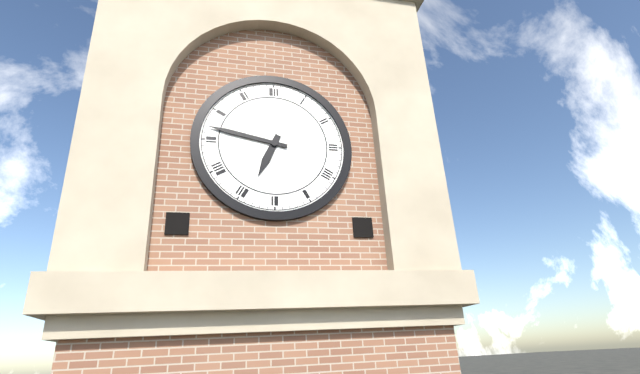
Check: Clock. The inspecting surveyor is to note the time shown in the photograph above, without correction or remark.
6:47
